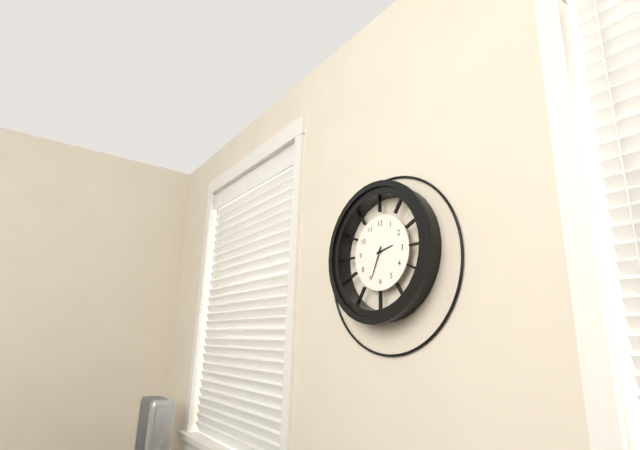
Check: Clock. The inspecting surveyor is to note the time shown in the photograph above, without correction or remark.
2:34
